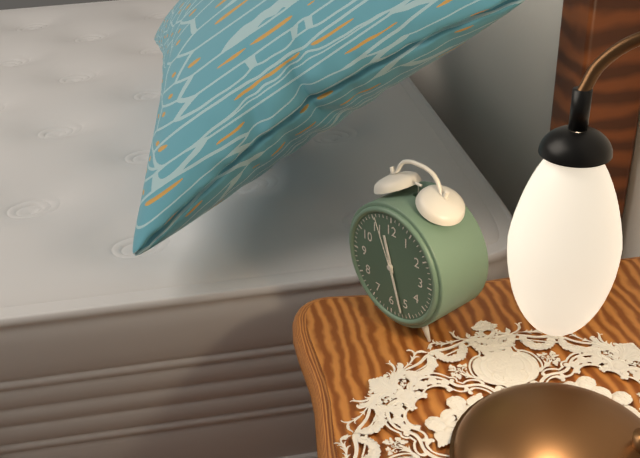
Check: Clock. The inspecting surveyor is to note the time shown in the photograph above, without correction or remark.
11:27:56
